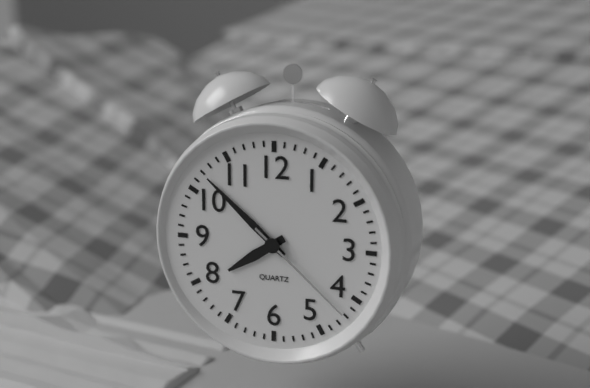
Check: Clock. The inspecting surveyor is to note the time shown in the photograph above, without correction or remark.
7:52:22
